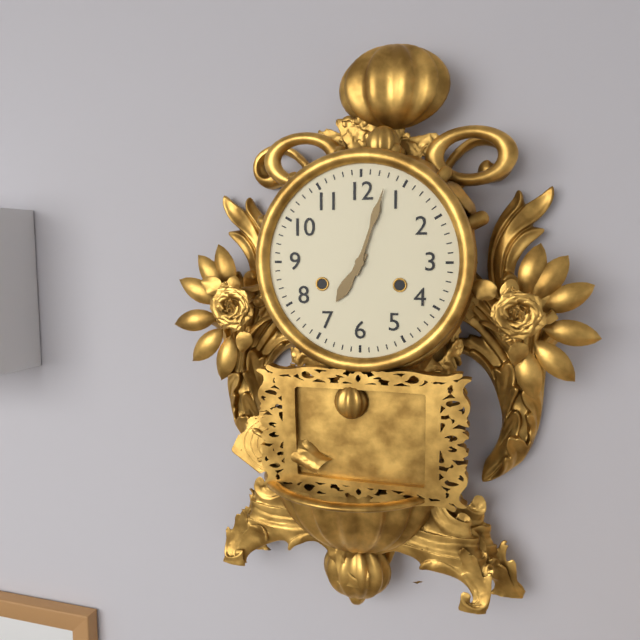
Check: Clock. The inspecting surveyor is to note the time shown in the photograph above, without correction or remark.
7:03
